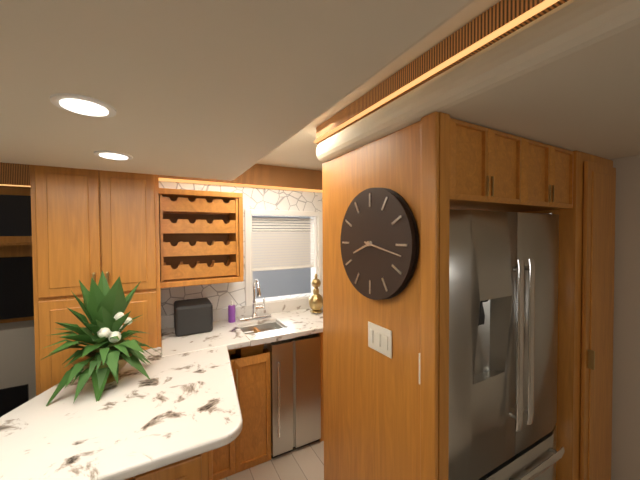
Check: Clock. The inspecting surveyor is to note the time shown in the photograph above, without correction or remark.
8:17
